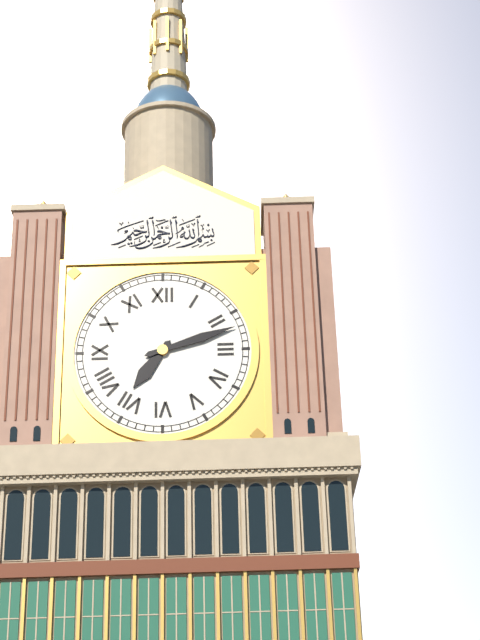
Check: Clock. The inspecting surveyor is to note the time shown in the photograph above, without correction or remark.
7:12
